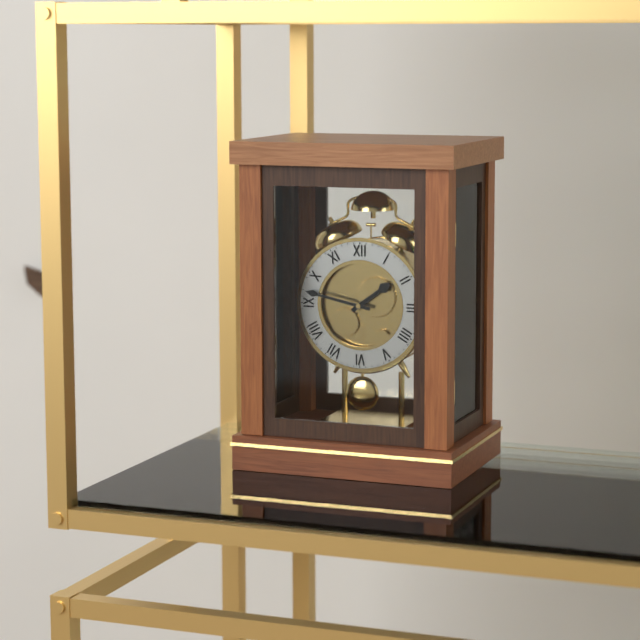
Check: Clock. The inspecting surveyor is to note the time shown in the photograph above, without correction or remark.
1:47
